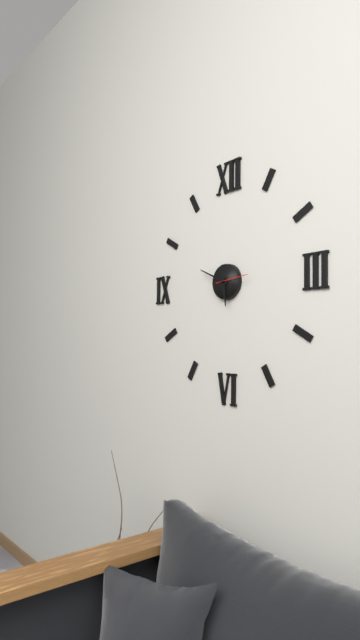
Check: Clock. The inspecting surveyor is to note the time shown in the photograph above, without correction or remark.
5:49
